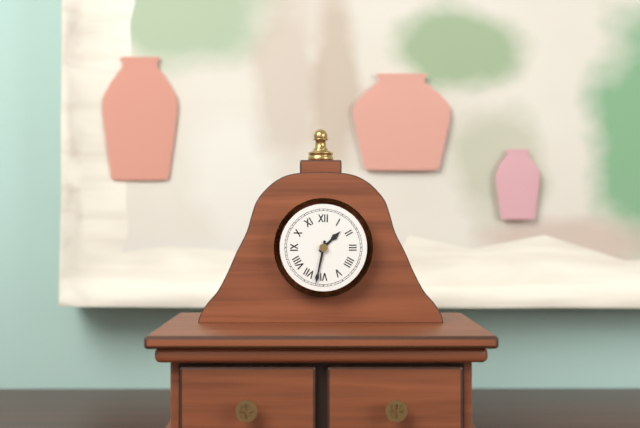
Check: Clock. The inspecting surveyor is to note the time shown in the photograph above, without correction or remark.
1:32
